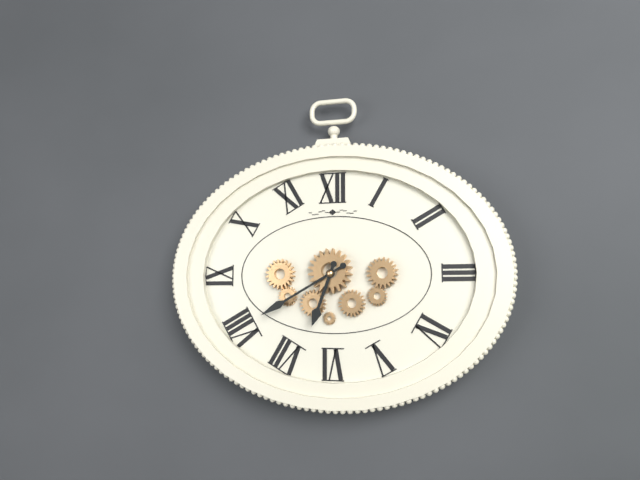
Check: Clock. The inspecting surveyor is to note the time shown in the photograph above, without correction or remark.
6:40
